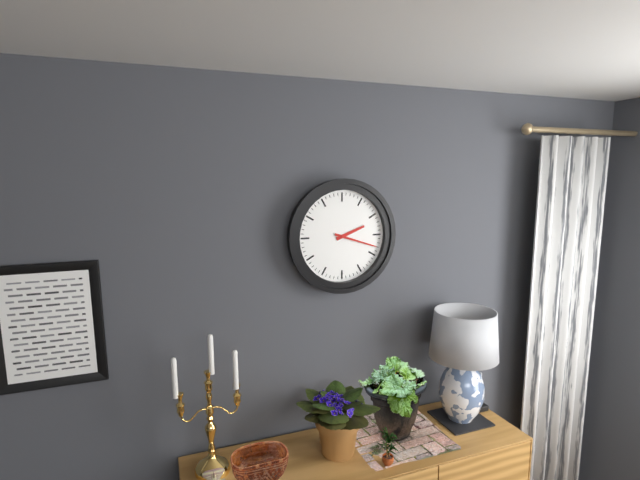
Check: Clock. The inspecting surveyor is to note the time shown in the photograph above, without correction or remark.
2:18
